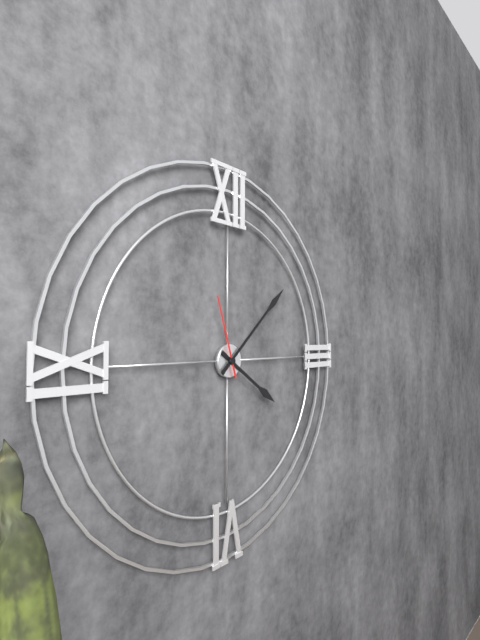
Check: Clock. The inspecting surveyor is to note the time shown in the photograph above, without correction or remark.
4:08:57
